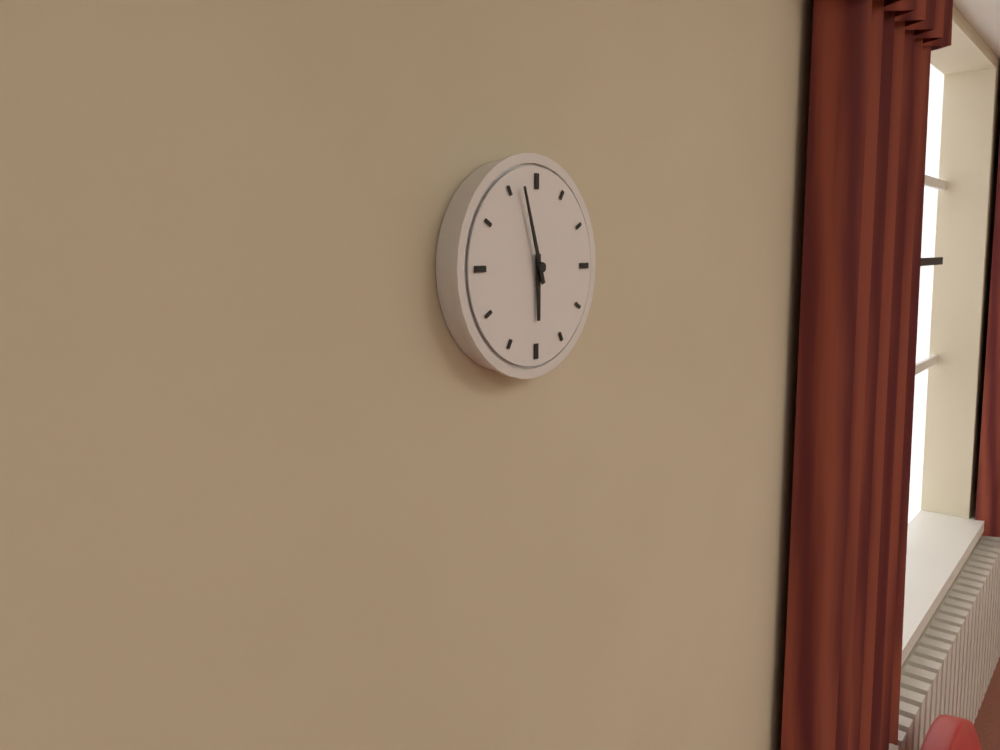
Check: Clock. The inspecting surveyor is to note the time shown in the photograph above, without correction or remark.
5:57
